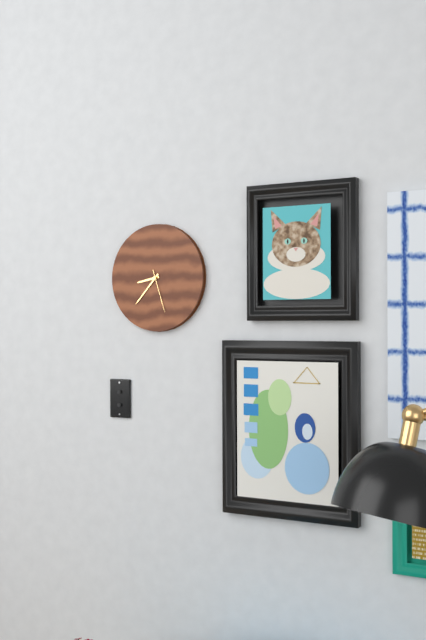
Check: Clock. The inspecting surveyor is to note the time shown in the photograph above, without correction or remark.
8:37
